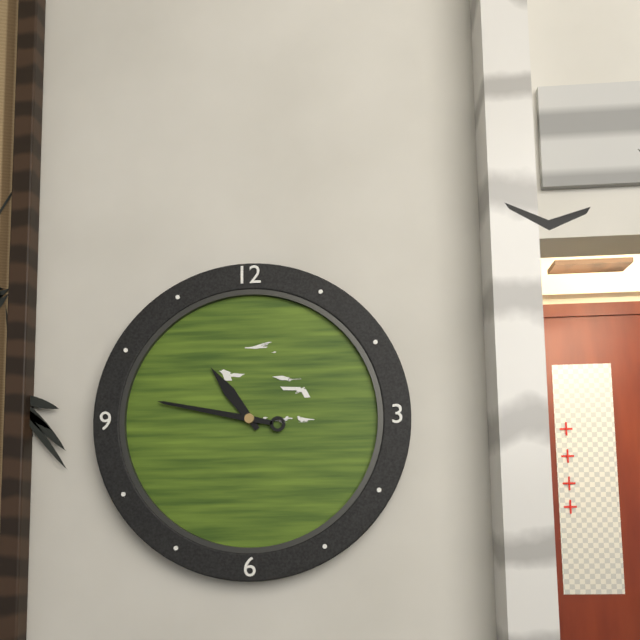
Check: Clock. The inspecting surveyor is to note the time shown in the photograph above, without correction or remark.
10:47
